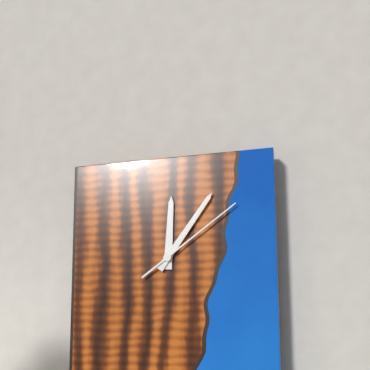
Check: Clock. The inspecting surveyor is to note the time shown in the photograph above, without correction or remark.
12:06:09
